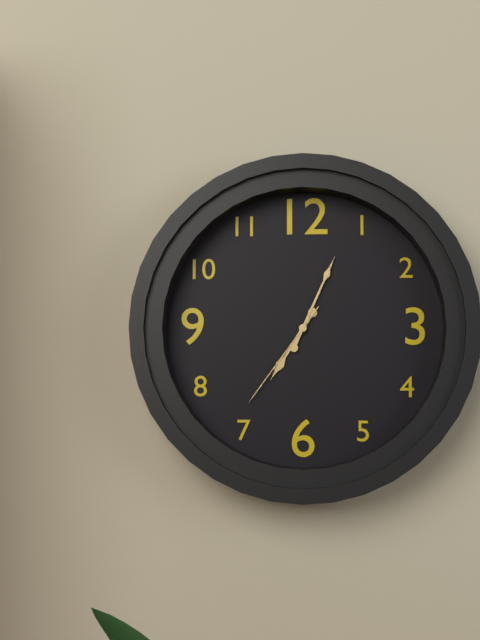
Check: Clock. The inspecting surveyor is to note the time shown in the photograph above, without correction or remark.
7:04:36
